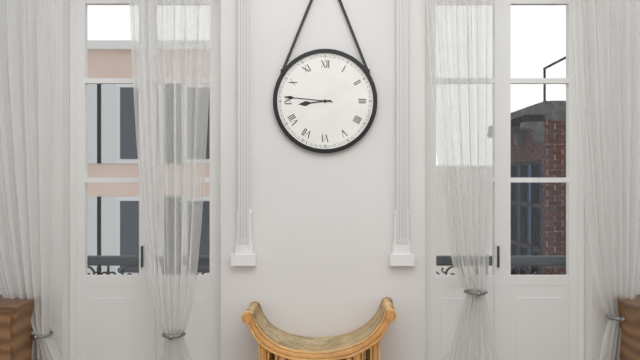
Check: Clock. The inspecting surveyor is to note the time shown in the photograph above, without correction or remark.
8:46
